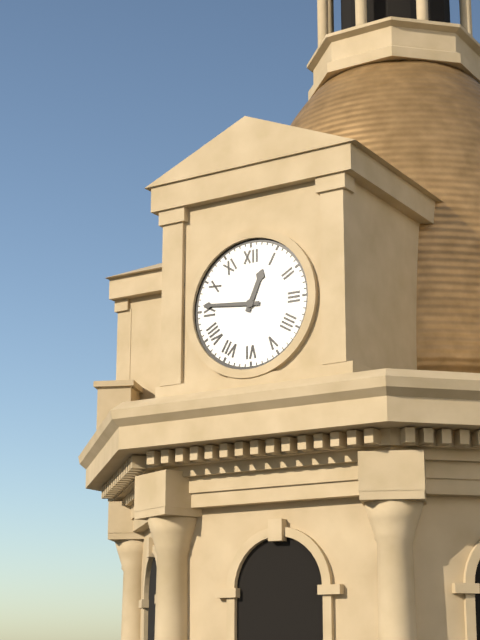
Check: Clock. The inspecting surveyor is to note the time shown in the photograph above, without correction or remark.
12:46
